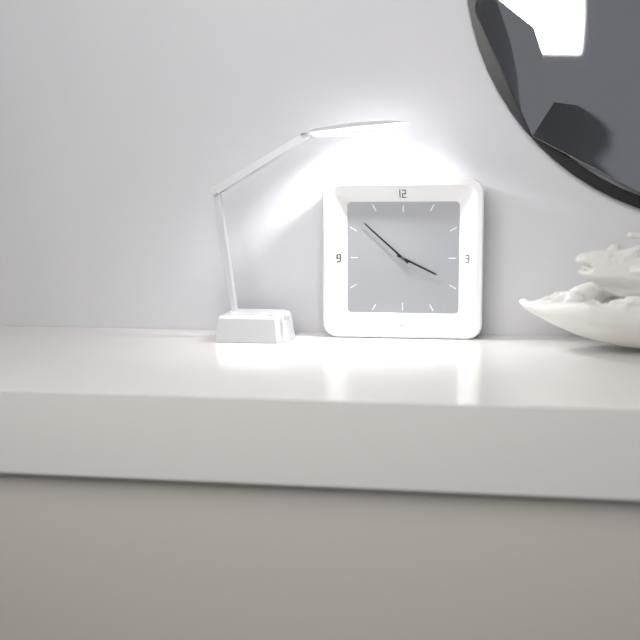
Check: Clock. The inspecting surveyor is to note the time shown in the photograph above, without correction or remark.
3:52
